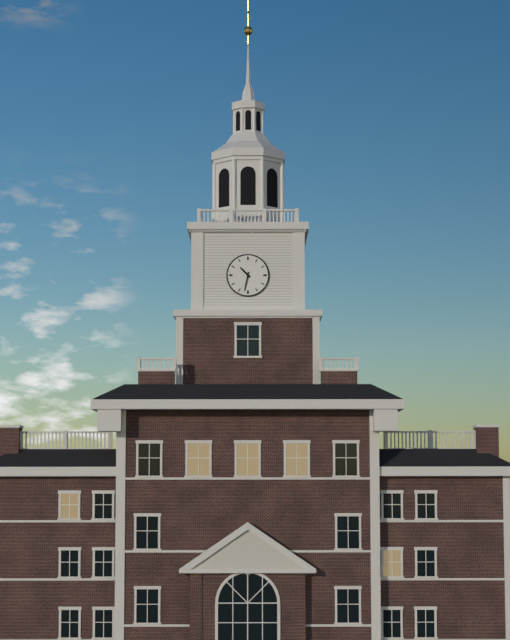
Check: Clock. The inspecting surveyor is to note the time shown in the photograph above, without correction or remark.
10:32
